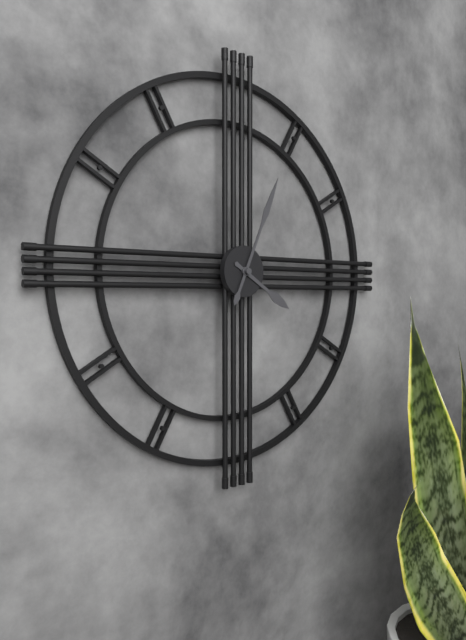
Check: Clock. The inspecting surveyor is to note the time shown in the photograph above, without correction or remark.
4:04
